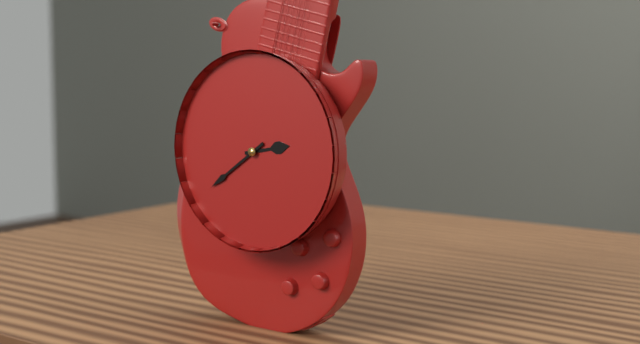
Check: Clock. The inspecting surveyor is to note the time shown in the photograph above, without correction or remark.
2:39
